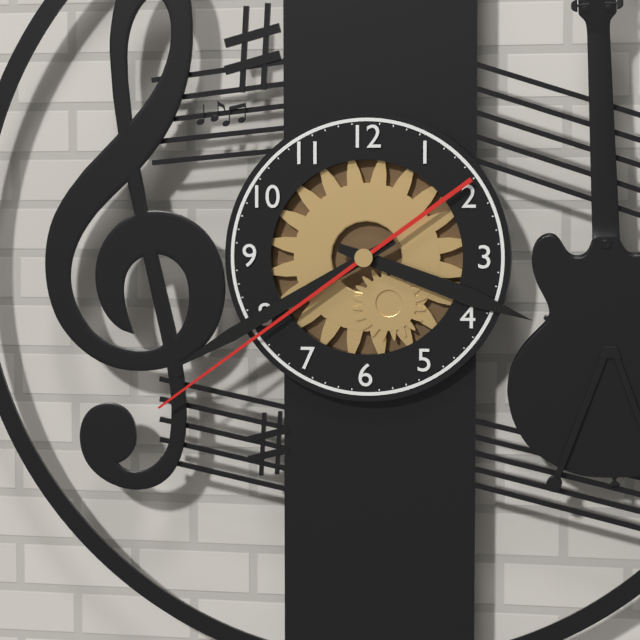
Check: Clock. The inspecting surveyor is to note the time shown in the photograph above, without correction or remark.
3:40:39
